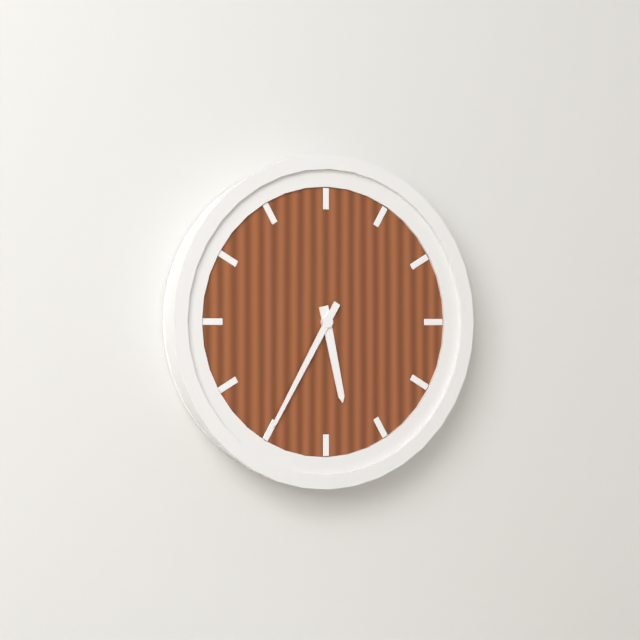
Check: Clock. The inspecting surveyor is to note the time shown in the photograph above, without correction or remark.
5:35
